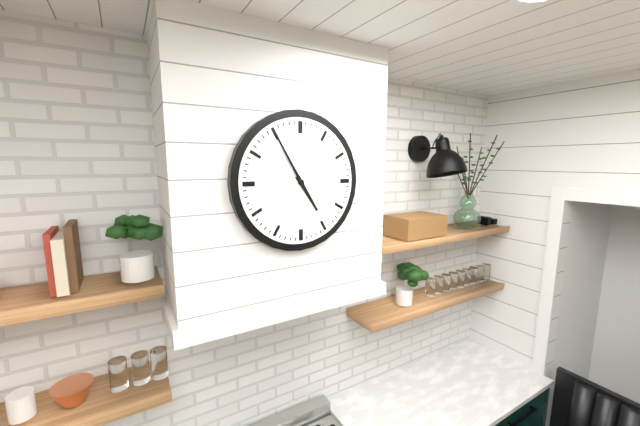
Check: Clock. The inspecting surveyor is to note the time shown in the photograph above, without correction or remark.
4:55
